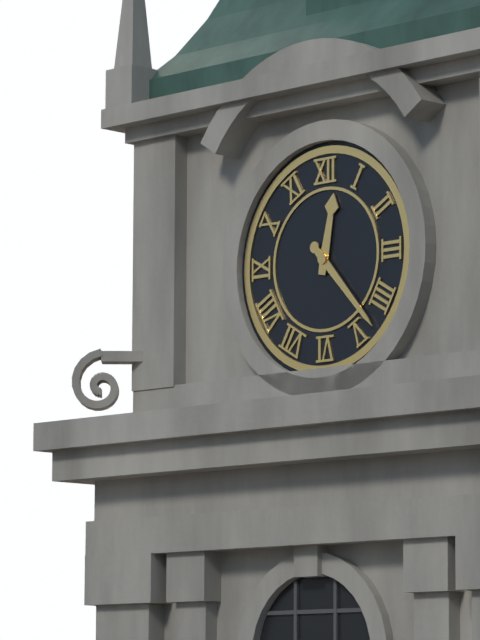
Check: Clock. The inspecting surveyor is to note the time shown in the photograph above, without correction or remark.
12:23
